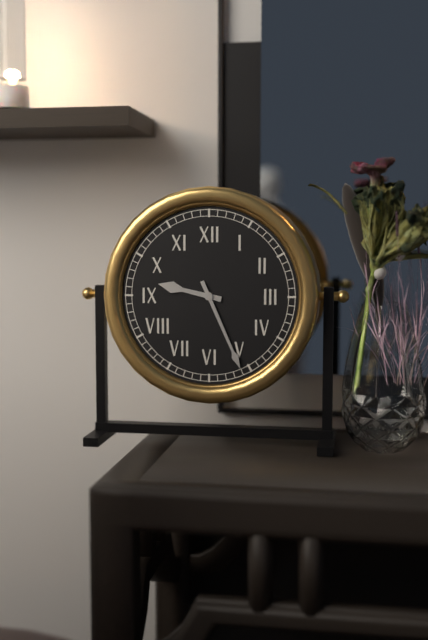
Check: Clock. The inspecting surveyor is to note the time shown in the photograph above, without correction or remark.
9:26
